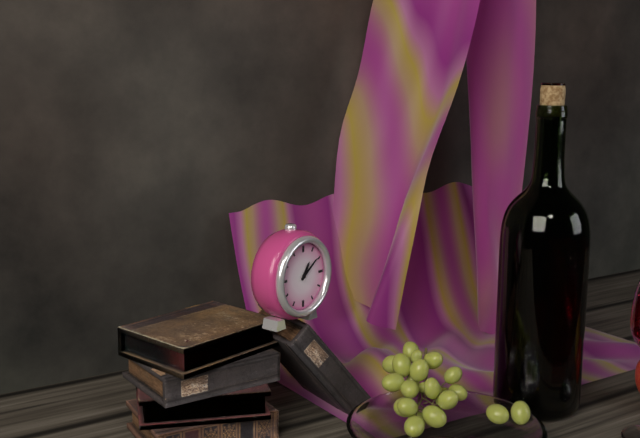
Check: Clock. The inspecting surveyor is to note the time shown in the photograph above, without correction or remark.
1:09
